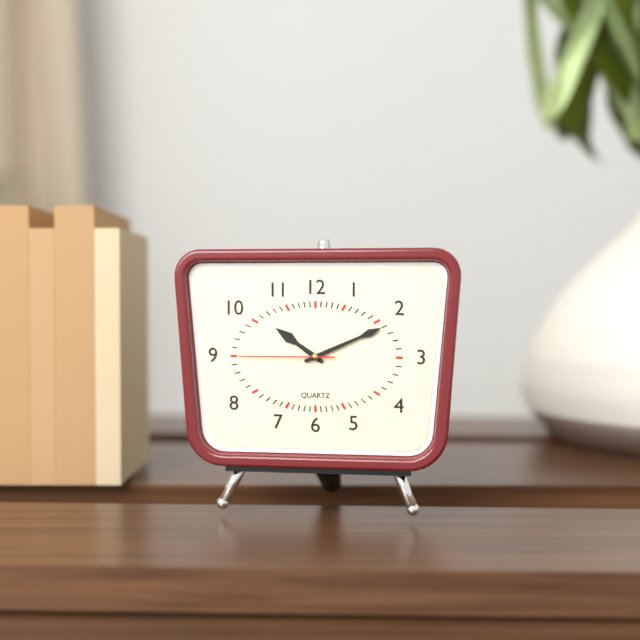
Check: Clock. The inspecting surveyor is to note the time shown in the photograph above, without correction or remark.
10:11:45
